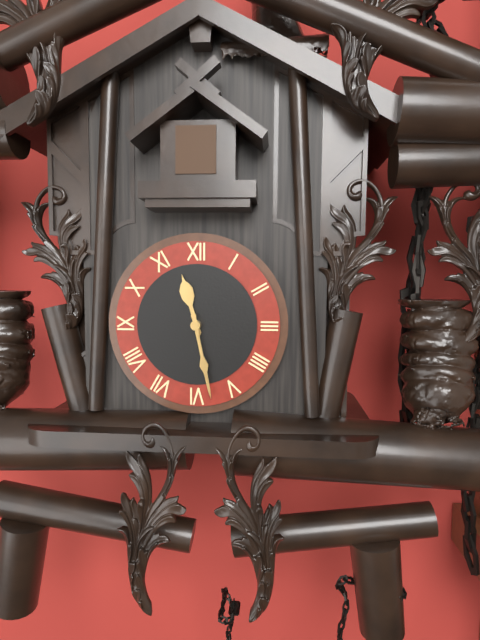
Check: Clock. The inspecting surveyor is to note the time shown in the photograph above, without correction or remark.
11:28
